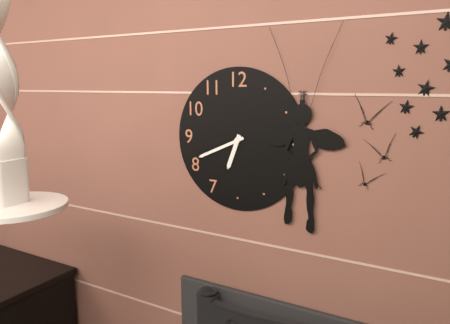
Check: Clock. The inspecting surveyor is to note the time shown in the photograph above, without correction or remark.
6:41
